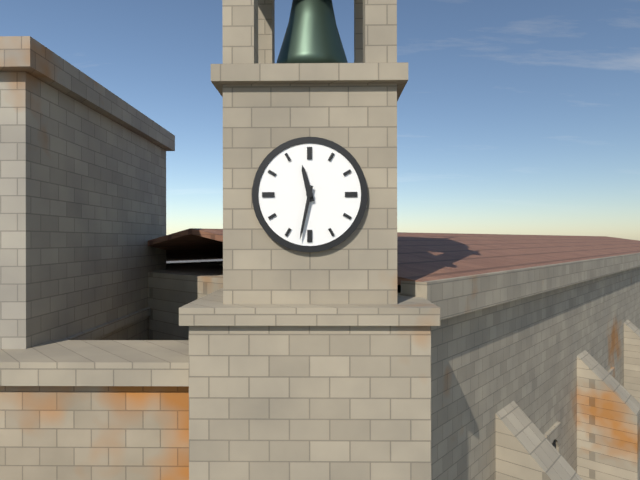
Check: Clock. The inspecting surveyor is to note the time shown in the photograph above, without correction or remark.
11:32
